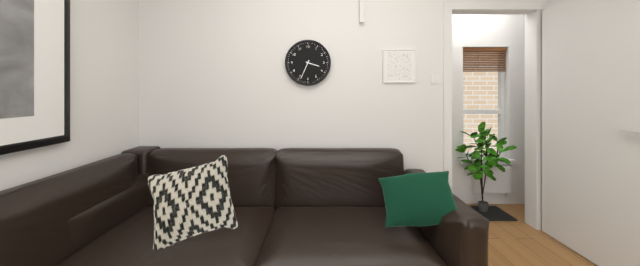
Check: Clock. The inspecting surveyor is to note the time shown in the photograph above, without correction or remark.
3:34
